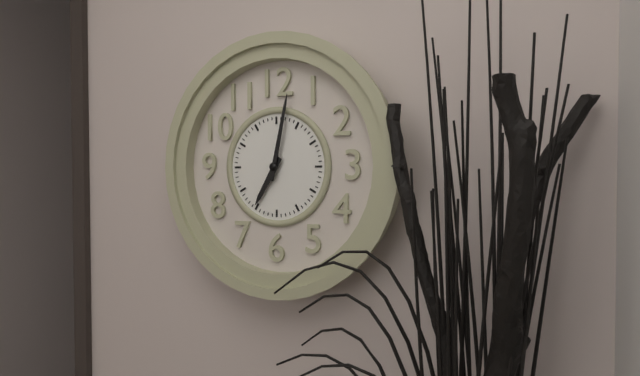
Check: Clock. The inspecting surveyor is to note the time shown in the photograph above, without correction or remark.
7:02
